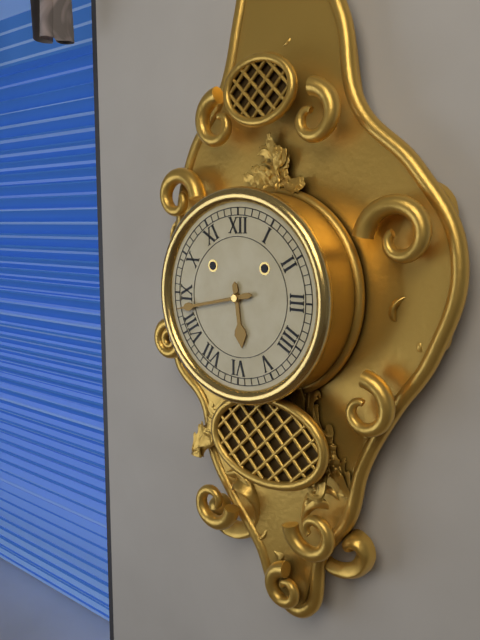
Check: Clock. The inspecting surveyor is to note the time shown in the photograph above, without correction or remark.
5:43
